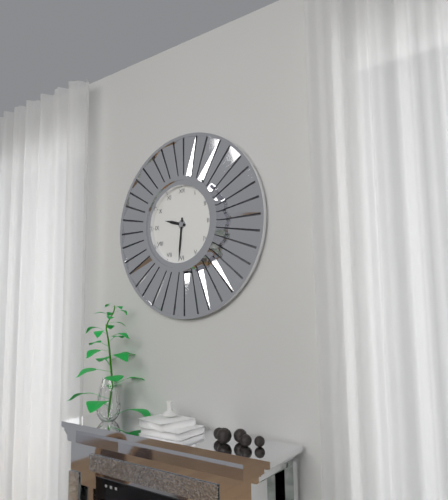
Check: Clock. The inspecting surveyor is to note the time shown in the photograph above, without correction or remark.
9:31
